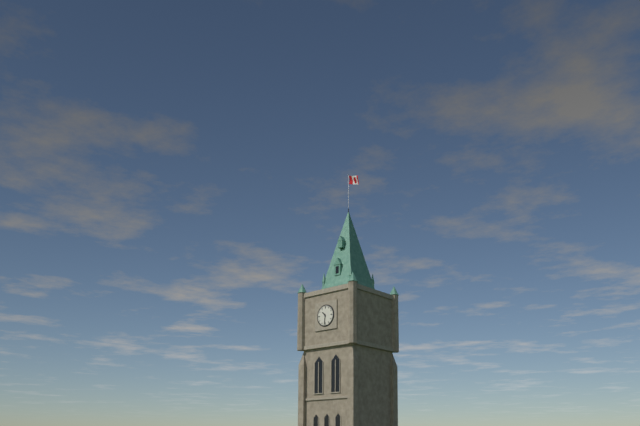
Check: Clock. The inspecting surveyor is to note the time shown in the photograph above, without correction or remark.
10:31
